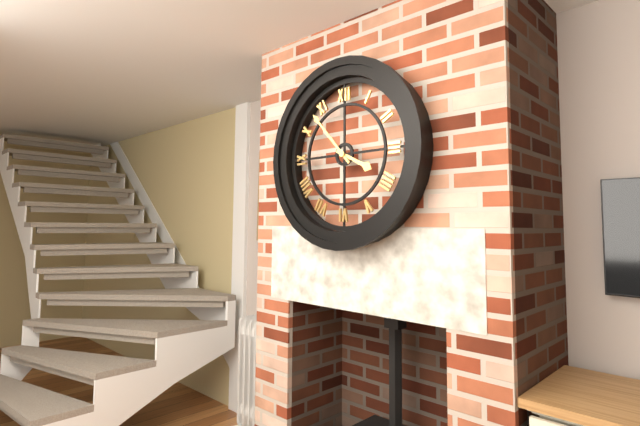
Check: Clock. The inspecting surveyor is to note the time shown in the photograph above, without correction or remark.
3:53
